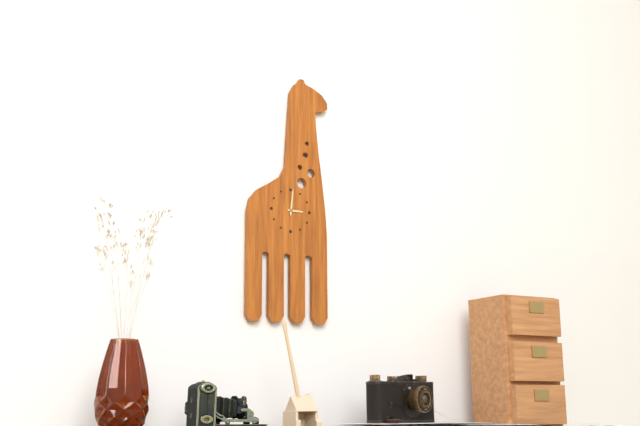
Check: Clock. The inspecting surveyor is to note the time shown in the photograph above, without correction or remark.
3:01
